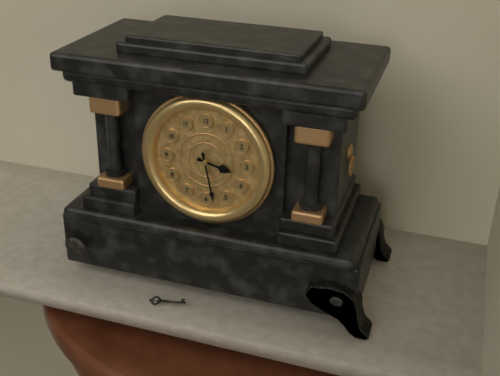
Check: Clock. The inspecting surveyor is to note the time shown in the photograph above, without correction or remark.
3:28
